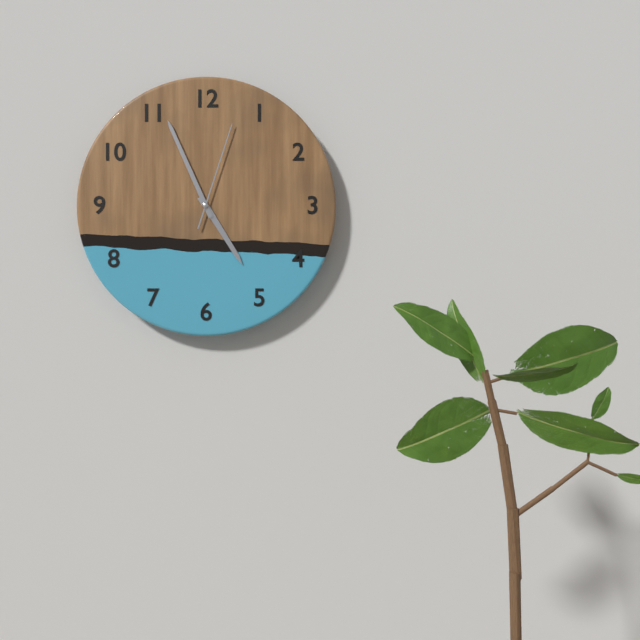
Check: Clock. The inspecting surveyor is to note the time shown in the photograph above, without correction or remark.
4:56:03
